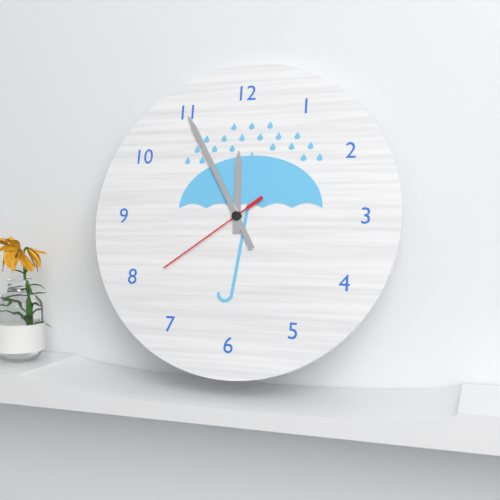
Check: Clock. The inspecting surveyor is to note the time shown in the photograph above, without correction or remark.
11:55:39
